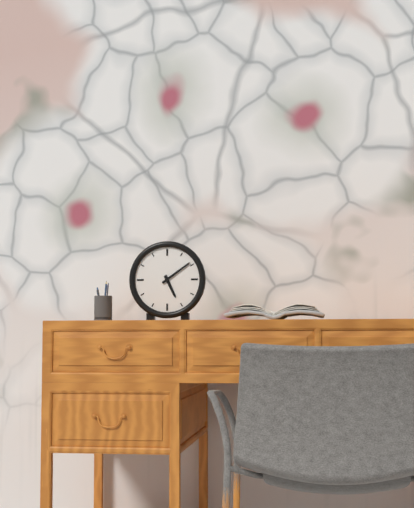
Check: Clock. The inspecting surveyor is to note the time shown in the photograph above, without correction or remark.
5:09
